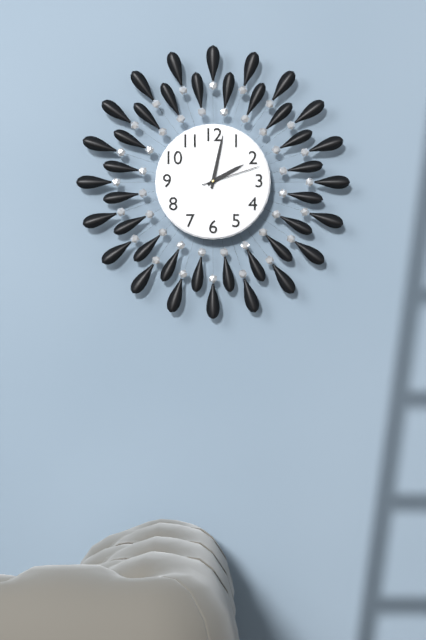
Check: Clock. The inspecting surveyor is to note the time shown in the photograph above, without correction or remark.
2:02:12
